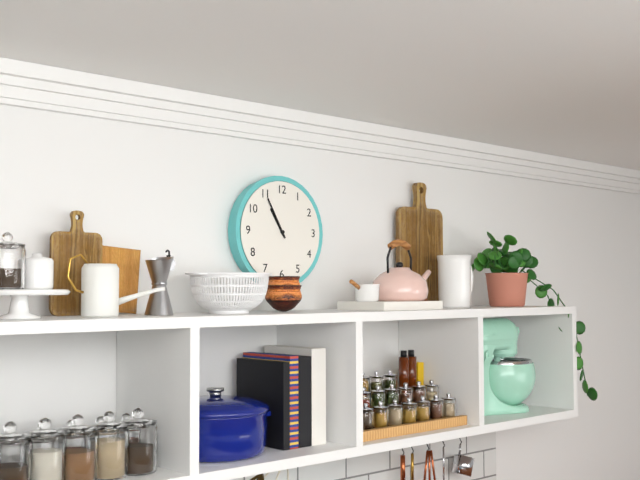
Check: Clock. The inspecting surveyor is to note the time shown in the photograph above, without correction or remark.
10:55
